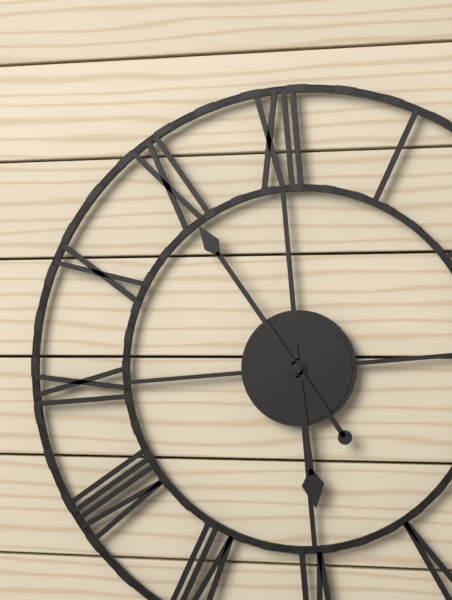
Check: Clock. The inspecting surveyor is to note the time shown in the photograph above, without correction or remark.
5:55
